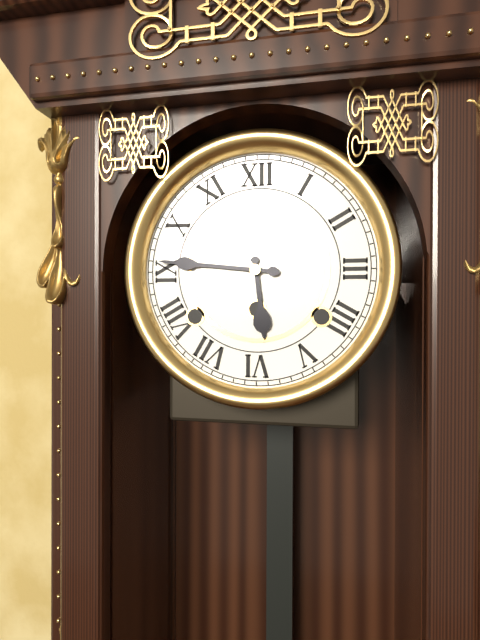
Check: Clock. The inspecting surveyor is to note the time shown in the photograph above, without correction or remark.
5:46
